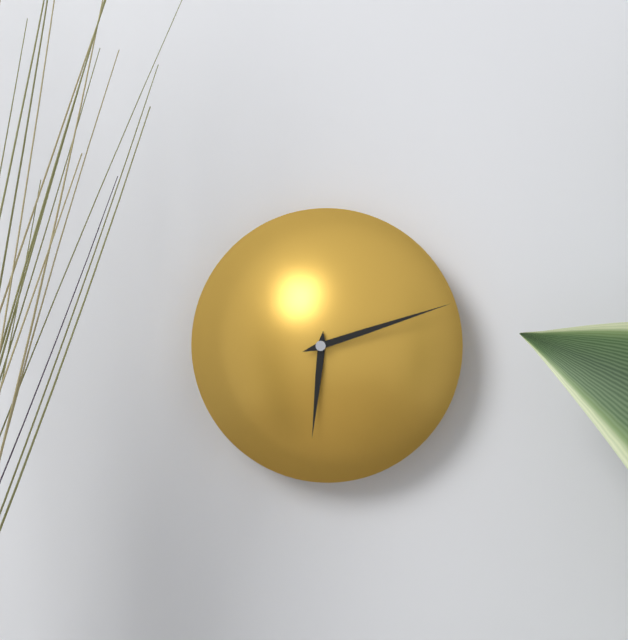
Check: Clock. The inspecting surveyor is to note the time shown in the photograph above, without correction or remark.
6:12
